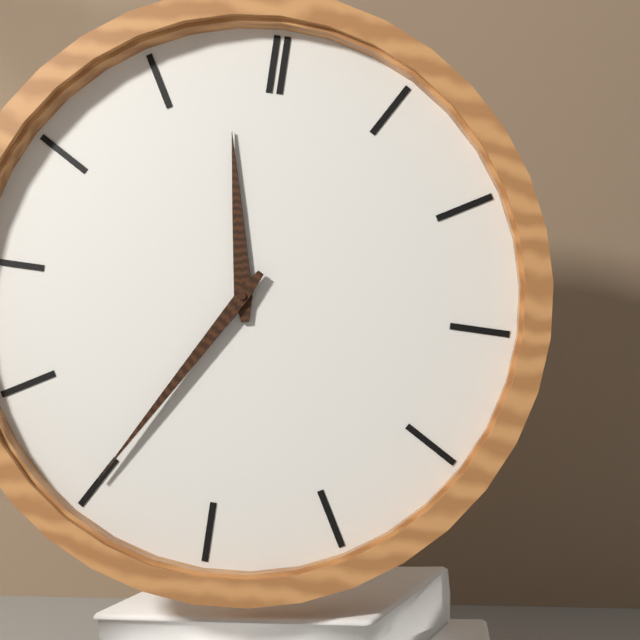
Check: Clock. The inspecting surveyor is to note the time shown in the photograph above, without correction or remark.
11:35
